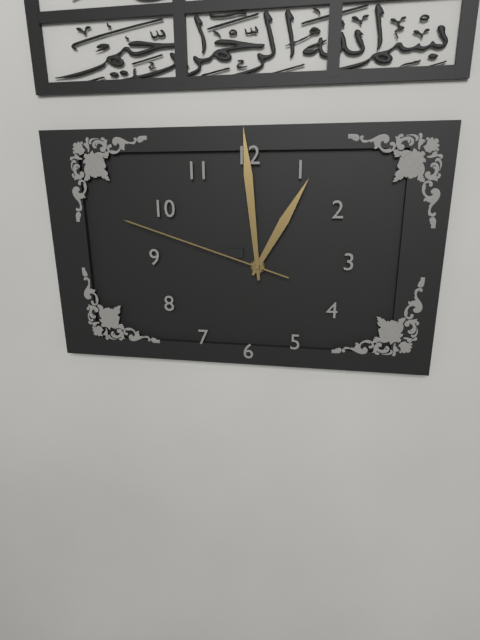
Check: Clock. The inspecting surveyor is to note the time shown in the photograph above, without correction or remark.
12:59:48
